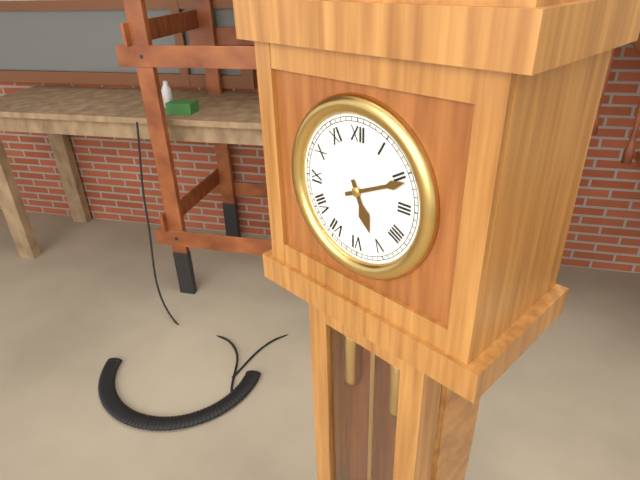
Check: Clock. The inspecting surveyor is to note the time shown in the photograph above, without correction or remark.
5:11
